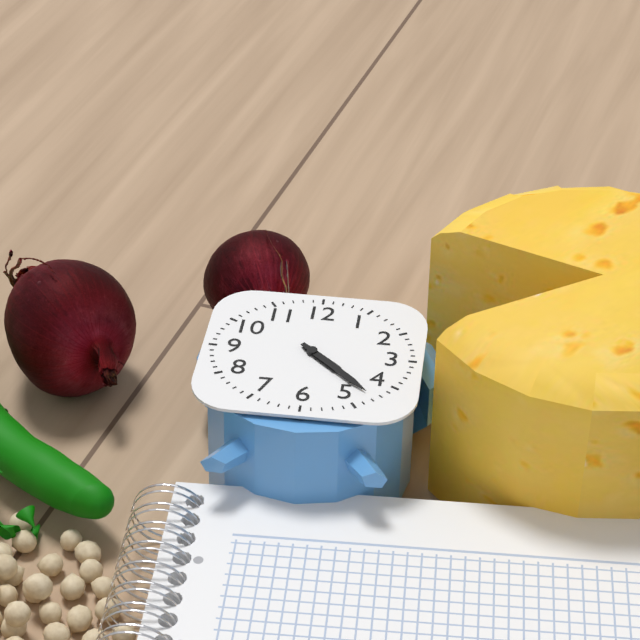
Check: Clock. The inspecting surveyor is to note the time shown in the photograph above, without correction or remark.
4:22
